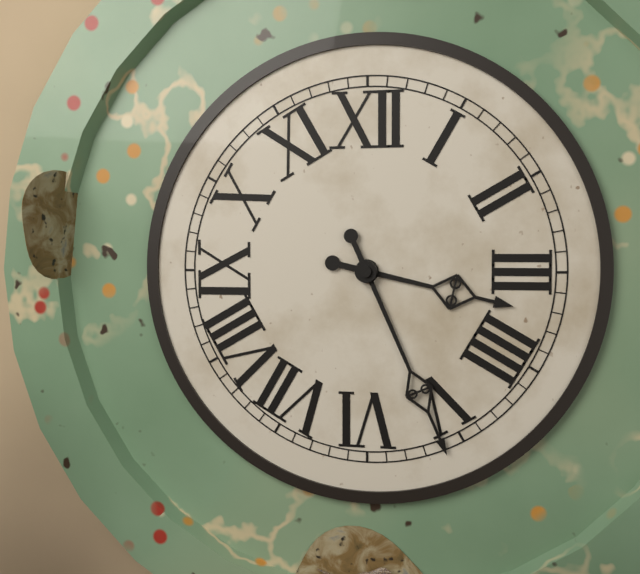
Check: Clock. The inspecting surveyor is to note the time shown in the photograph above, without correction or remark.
3:26
